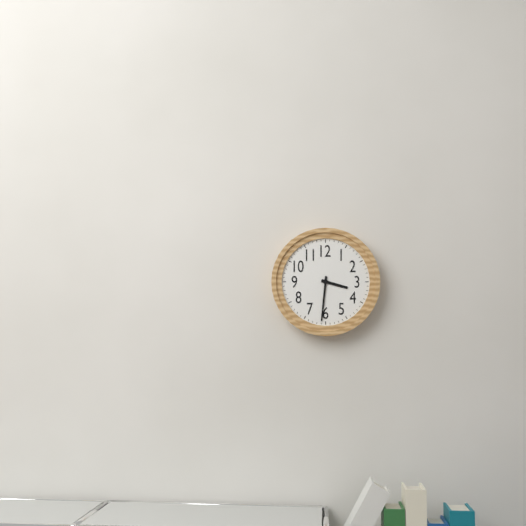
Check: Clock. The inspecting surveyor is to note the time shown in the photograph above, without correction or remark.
3:31
